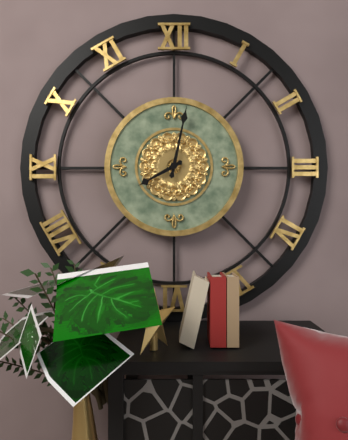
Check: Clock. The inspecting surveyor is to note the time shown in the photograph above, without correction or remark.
8:02
